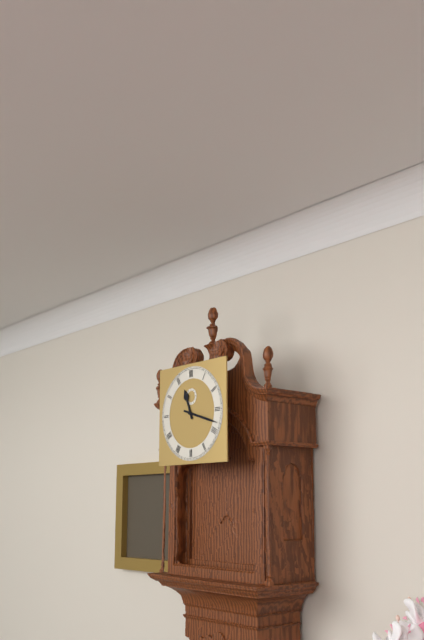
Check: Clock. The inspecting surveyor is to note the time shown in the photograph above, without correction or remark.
11:18
